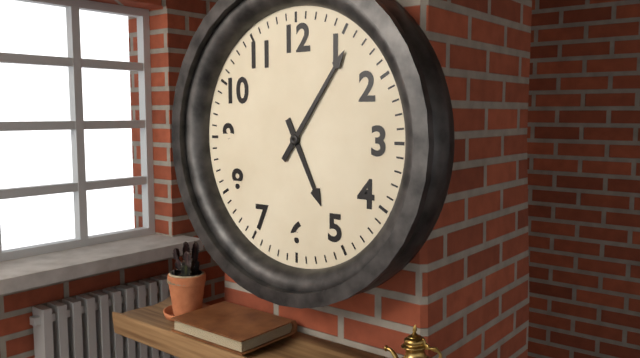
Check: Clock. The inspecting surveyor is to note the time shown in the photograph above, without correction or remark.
5:06
